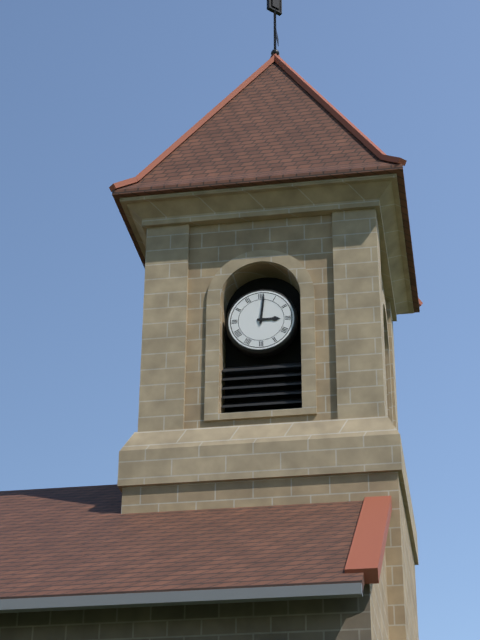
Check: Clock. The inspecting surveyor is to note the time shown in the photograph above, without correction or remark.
3:01
